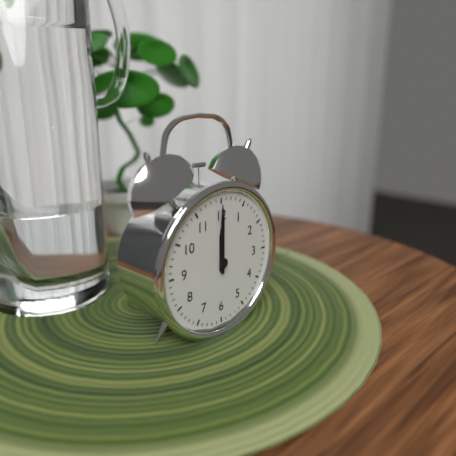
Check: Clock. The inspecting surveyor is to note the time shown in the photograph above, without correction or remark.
12:00
